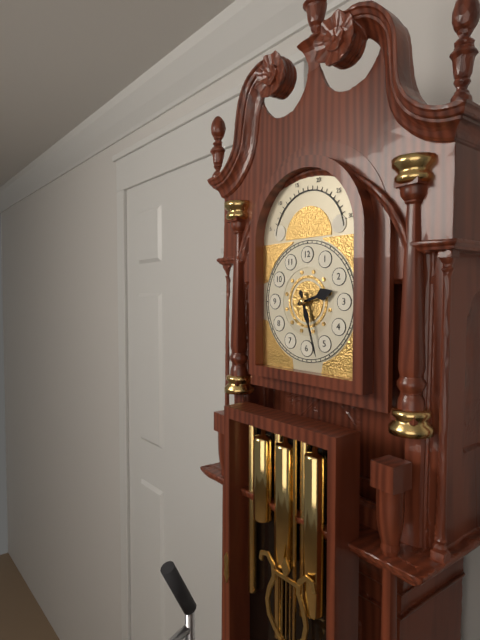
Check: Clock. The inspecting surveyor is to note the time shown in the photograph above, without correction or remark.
2:27
